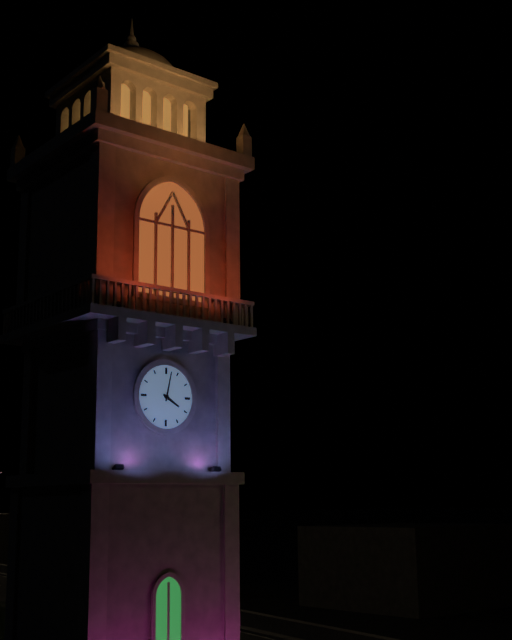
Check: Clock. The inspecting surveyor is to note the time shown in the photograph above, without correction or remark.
4:02
